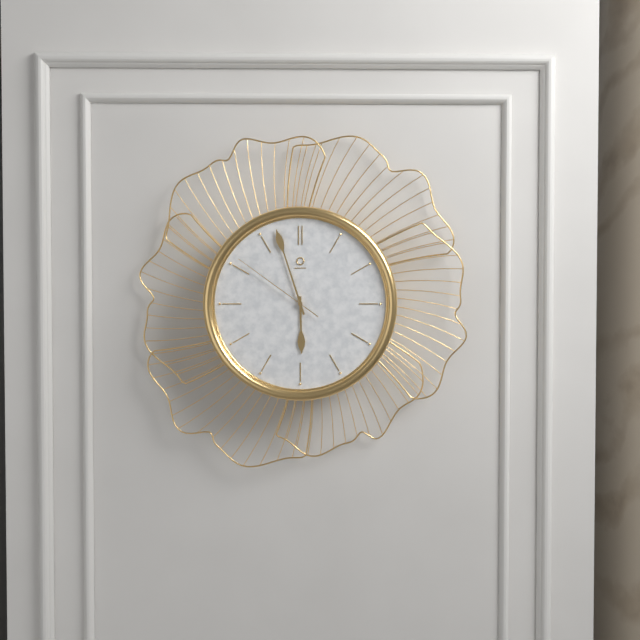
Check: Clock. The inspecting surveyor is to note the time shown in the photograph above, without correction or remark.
5:57:51
